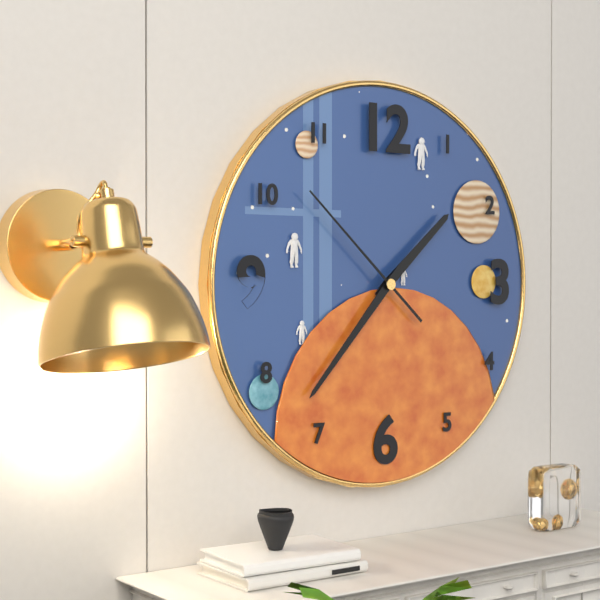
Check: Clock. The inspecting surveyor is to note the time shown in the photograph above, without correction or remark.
1:37:52
